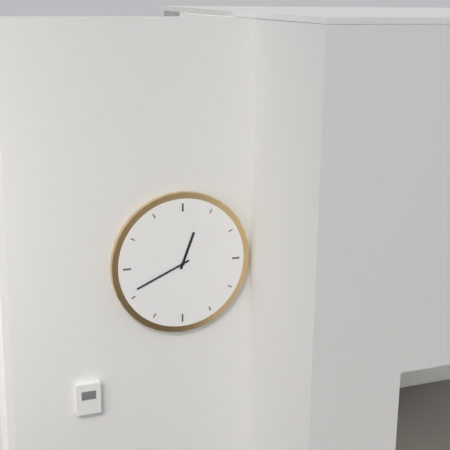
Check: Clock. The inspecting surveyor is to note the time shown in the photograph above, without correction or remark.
12:41
